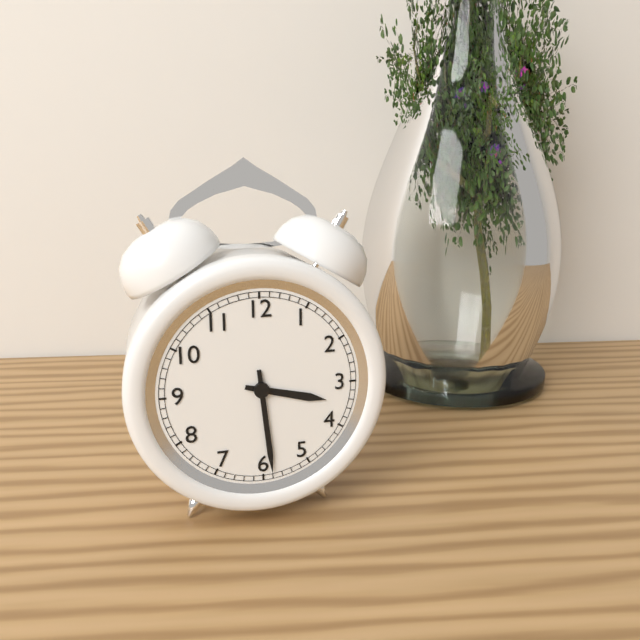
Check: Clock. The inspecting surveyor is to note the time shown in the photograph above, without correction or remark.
3:29
